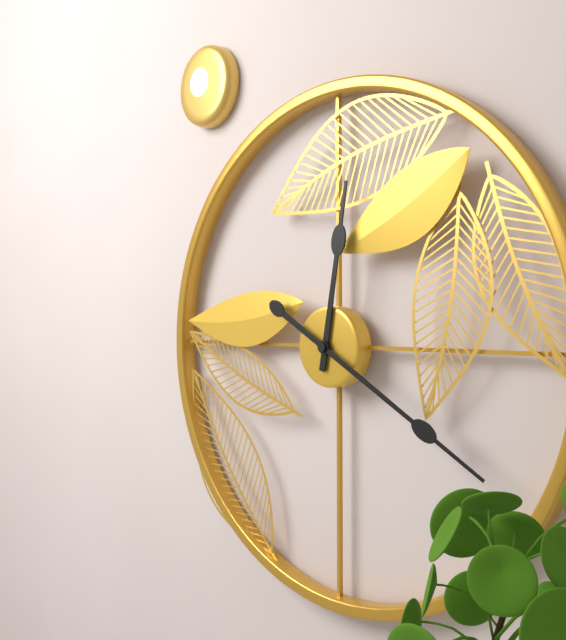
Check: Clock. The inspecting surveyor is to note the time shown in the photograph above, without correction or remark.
12:20
